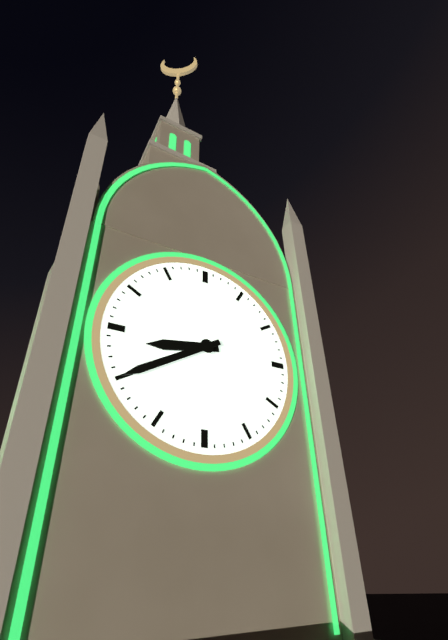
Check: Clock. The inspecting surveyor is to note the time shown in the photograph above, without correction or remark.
8:40
